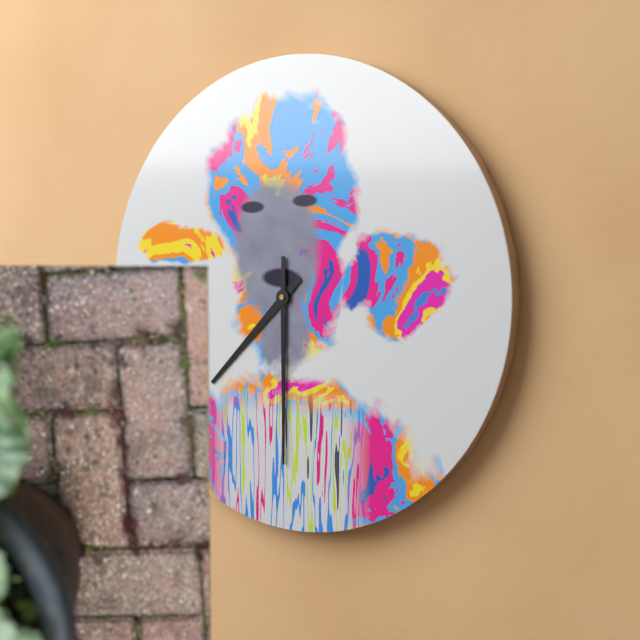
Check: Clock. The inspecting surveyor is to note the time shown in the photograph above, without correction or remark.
7:30
